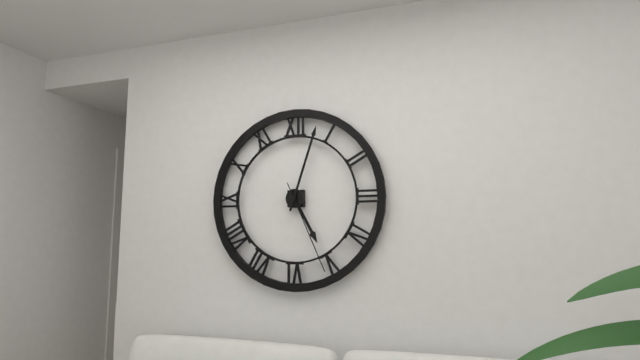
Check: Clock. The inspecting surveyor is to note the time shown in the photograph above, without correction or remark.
5:03:26
